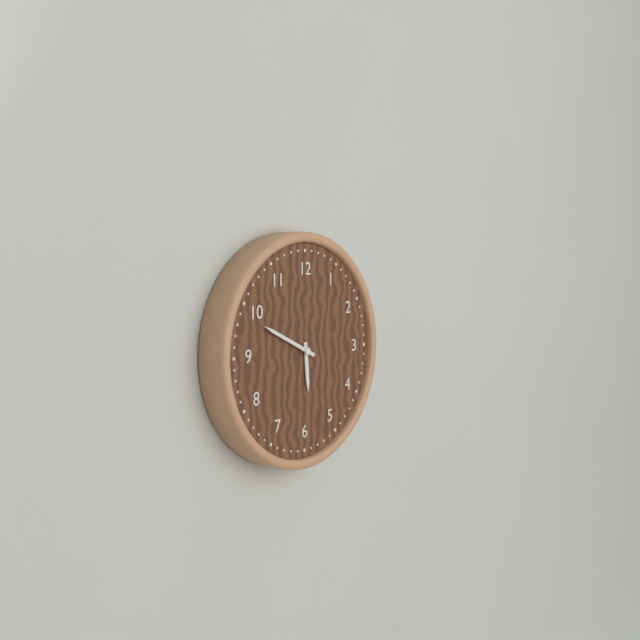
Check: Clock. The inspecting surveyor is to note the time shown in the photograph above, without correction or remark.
5:49
